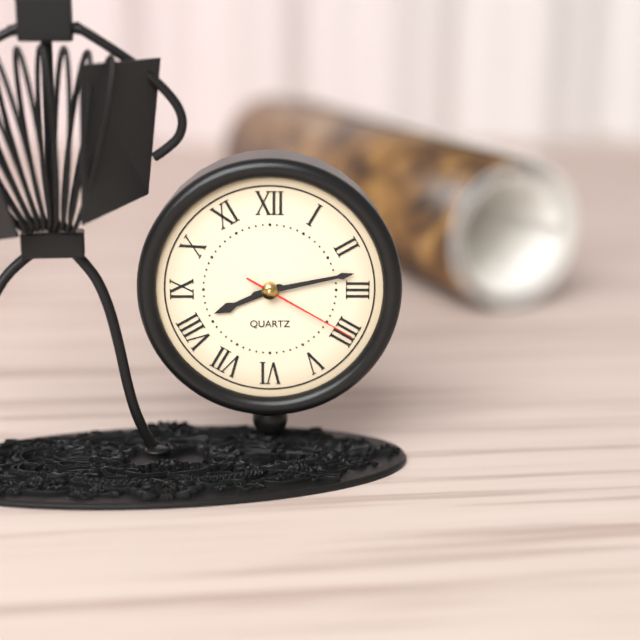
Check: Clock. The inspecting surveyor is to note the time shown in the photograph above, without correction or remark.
8:13:20
